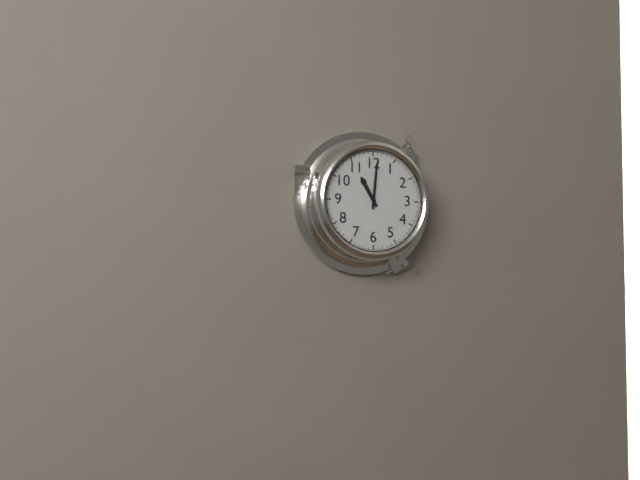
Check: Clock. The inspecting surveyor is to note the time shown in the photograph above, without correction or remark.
11:01
